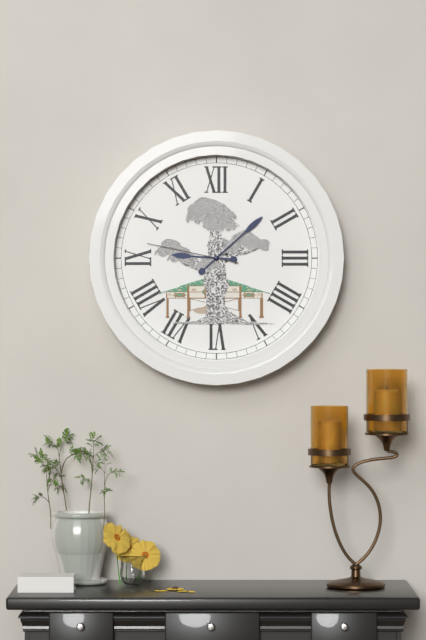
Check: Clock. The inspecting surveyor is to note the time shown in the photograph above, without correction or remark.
9:08:47
